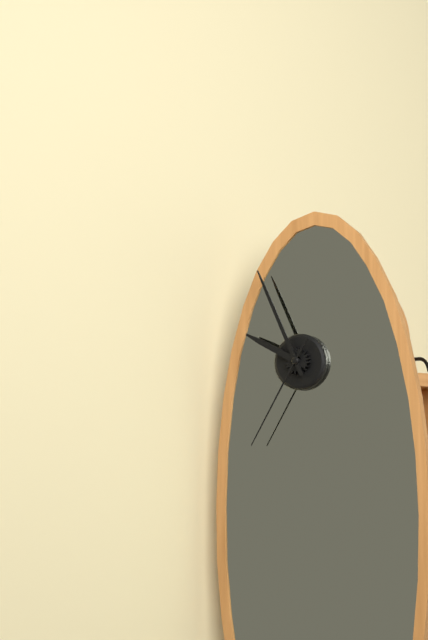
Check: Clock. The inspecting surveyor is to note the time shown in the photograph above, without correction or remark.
9:56:35
